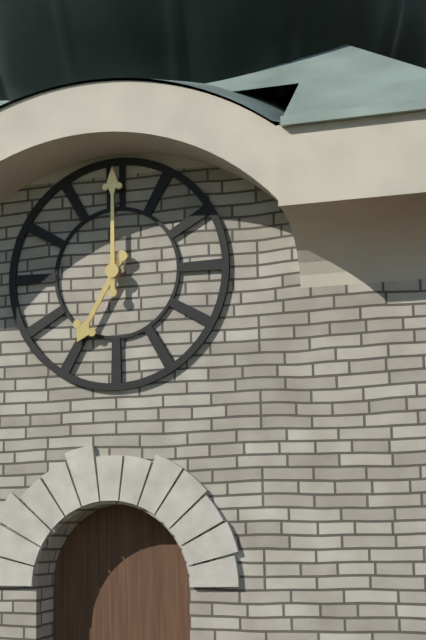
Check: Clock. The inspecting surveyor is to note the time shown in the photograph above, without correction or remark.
7:00
